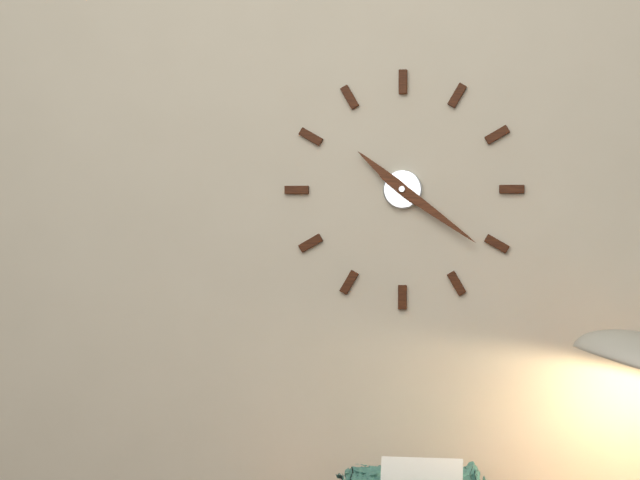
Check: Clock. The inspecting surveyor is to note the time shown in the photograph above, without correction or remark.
10:21
